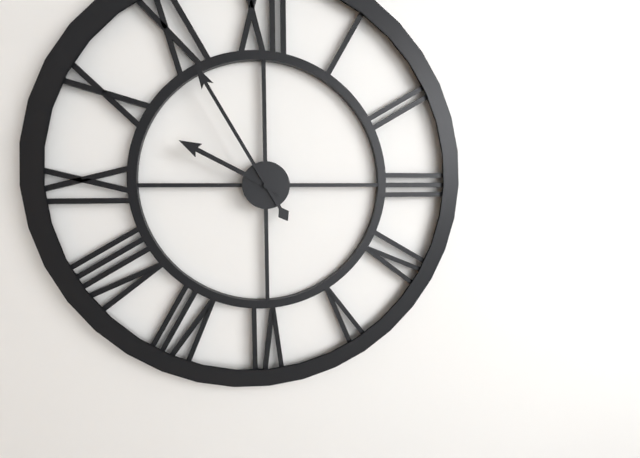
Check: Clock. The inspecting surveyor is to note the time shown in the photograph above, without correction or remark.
9:55
